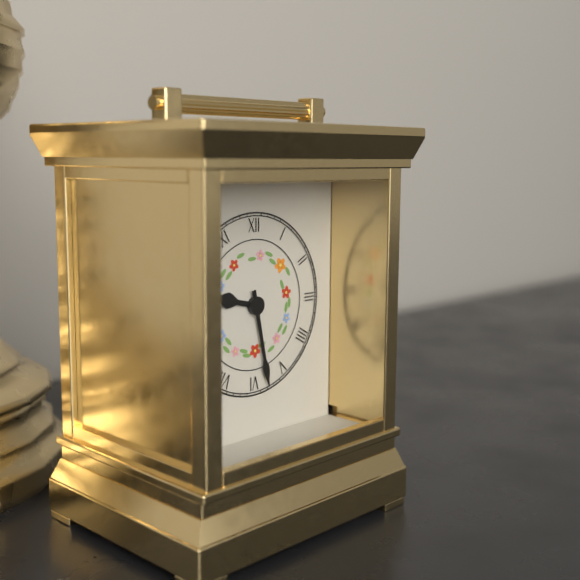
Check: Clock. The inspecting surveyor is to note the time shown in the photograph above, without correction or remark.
9:28
